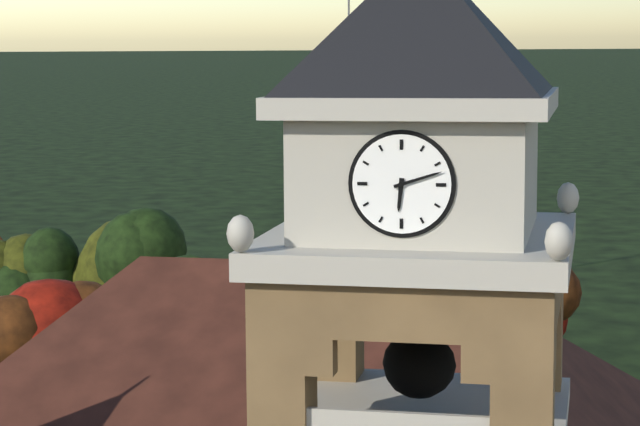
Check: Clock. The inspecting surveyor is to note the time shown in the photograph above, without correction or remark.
6:12
